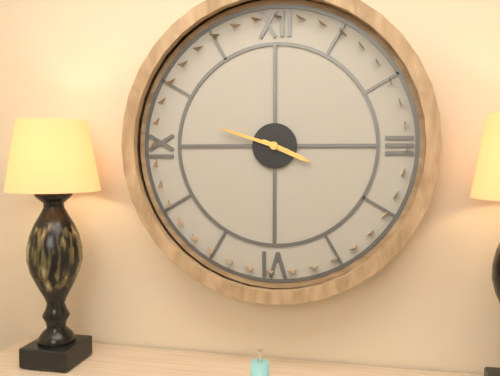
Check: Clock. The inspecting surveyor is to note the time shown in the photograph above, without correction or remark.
3:48
